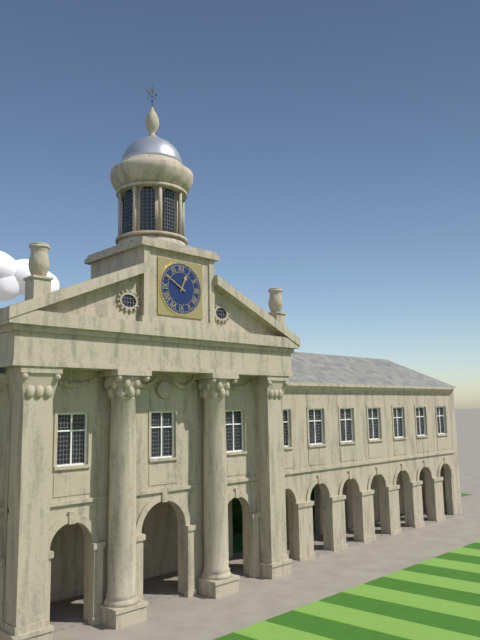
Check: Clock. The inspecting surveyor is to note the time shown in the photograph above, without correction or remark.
12:50
